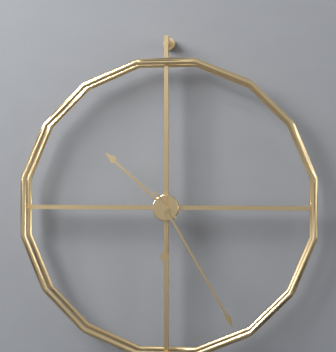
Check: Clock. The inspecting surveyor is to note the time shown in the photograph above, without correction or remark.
10:25:00
